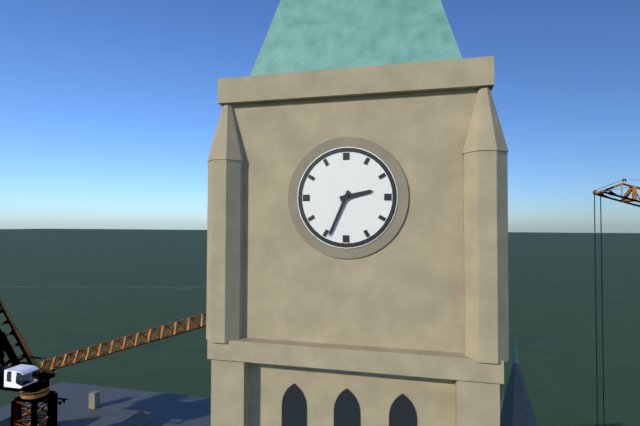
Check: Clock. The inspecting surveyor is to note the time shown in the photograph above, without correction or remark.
2:34
